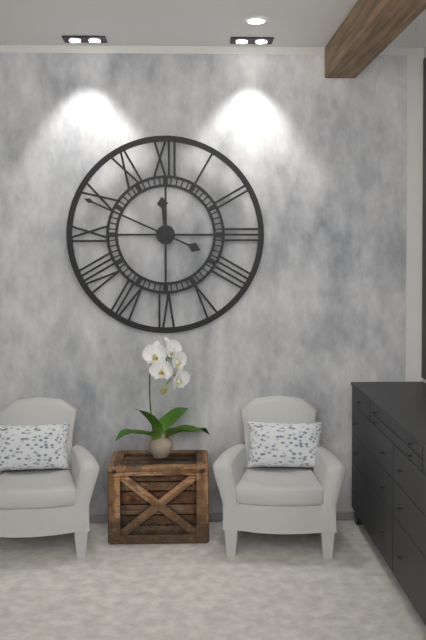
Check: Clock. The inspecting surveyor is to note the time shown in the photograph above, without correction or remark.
11:49
